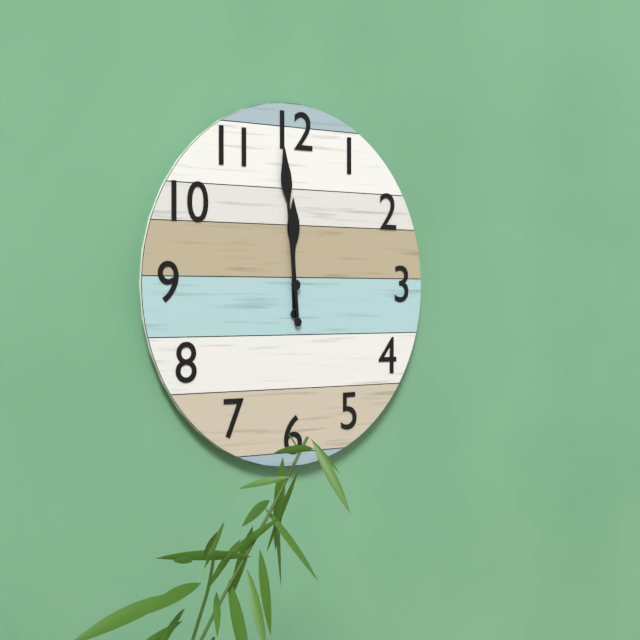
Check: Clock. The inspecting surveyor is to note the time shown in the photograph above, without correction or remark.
11:59
